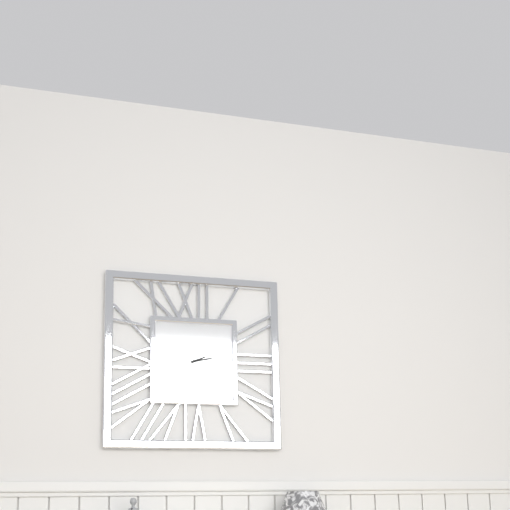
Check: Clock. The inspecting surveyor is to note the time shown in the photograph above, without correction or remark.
2:13
